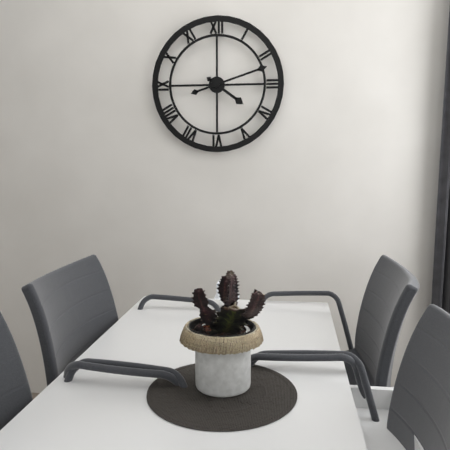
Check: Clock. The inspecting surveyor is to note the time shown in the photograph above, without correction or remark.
4:12
